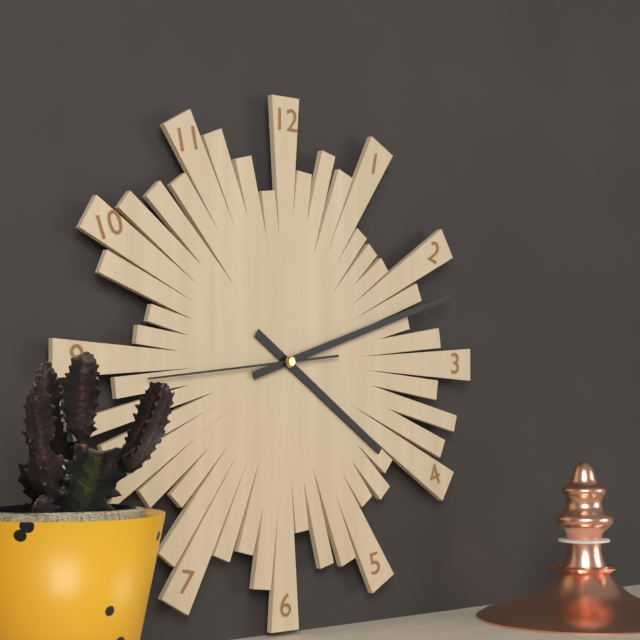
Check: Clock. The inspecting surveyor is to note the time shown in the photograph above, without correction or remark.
4:12:44
